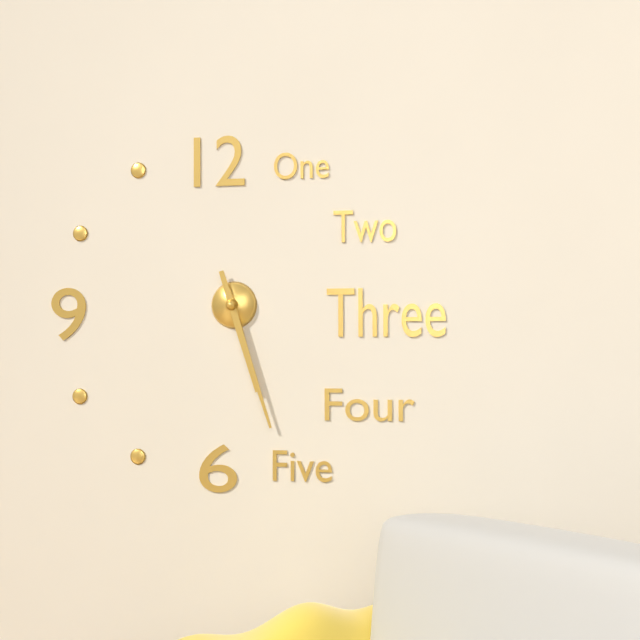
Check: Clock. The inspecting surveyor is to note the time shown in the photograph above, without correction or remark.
5:27
